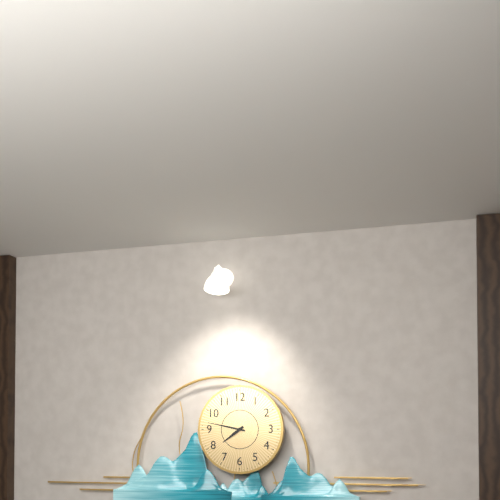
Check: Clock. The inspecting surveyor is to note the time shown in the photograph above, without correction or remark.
7:47
